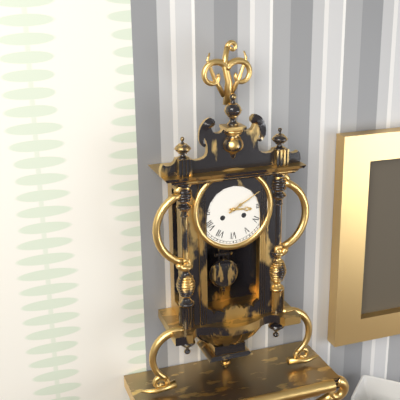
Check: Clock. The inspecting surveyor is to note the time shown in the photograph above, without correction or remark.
3:10
